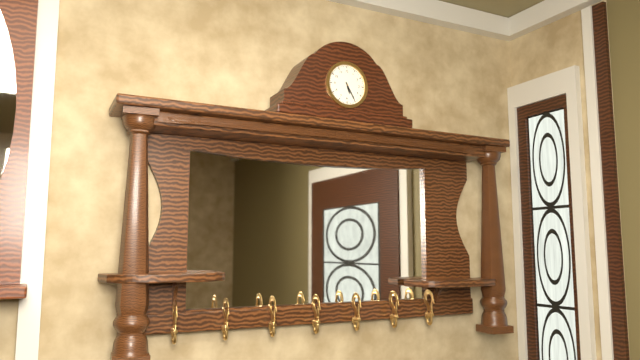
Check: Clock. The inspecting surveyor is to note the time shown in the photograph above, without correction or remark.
5:25
